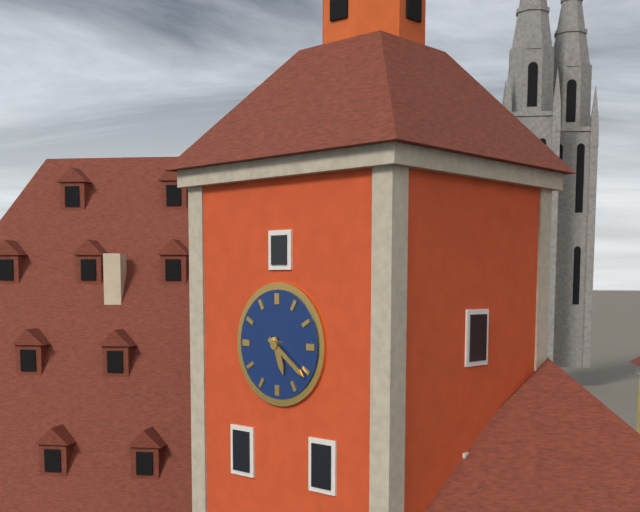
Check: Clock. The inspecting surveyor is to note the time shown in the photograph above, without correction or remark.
5:21
